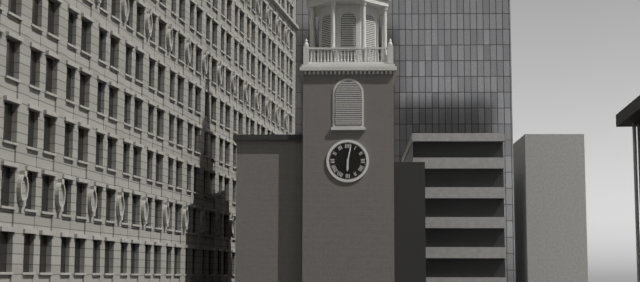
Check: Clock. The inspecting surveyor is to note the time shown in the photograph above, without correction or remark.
6:02
